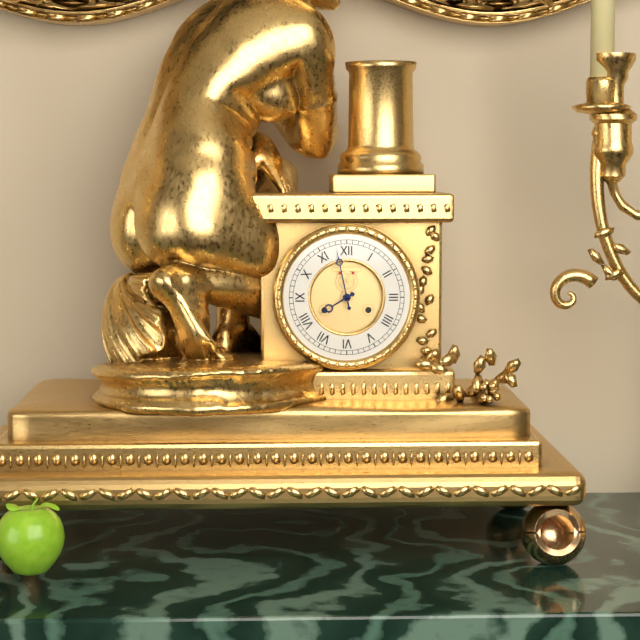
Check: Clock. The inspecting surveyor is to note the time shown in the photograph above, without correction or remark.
7:58
